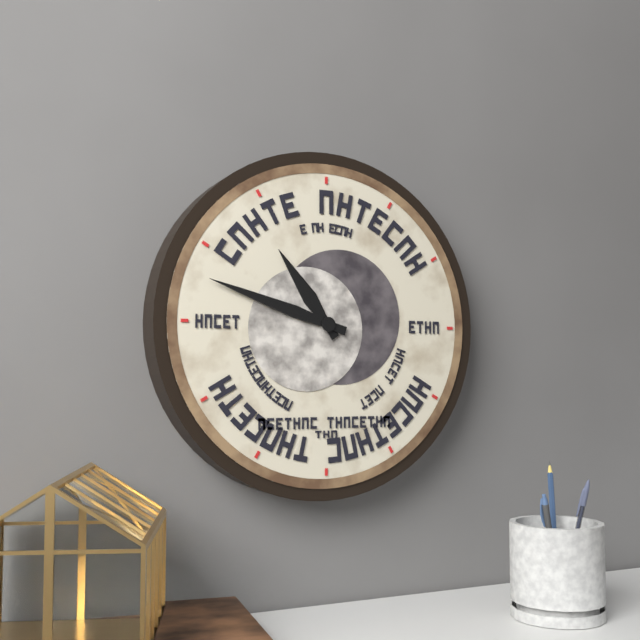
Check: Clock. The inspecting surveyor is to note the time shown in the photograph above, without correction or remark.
10:48
